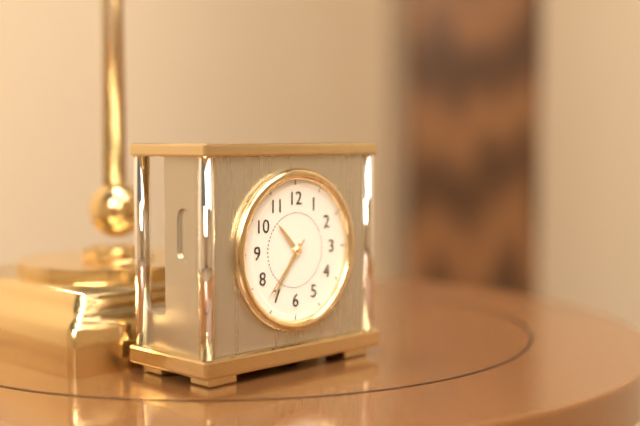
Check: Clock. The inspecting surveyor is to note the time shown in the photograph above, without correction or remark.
10:36:37
